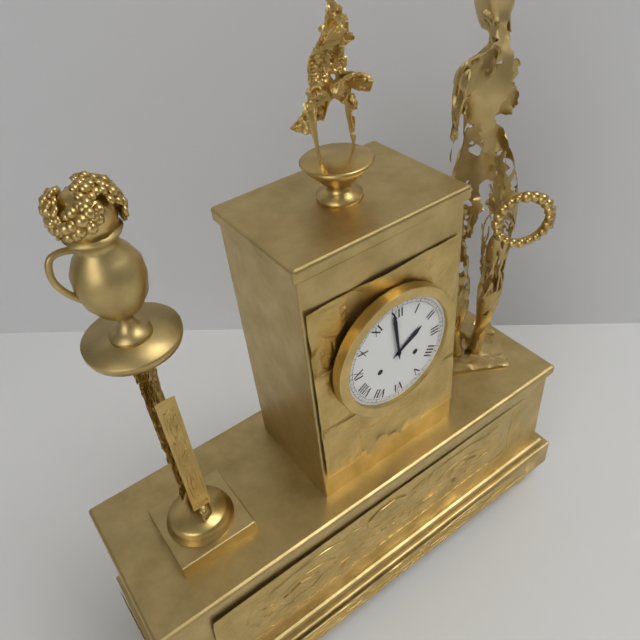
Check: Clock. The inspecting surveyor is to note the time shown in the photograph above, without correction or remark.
1:59
